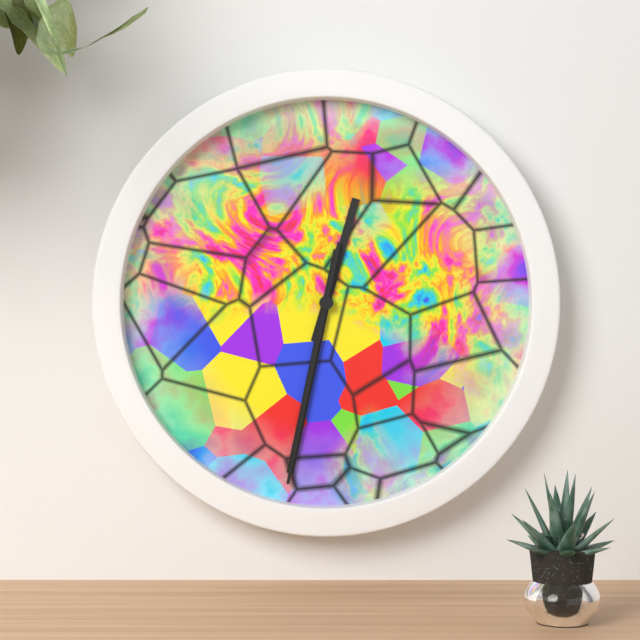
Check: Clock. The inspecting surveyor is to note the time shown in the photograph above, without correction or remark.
12:32:32
